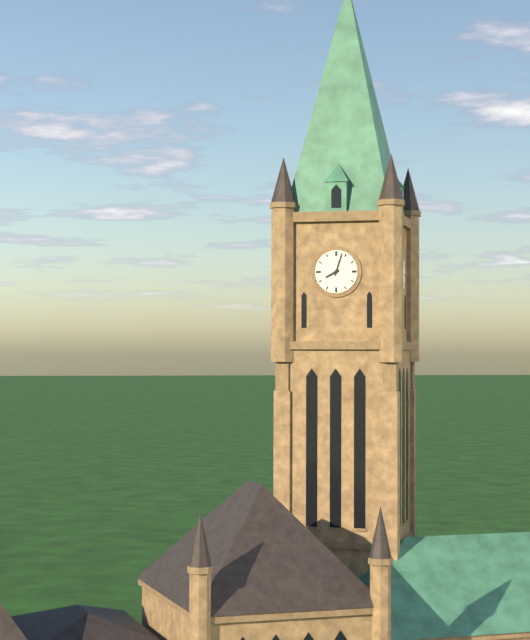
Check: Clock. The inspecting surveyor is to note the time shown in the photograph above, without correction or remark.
8:03
